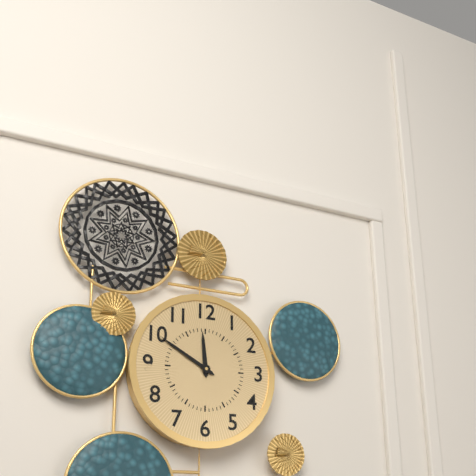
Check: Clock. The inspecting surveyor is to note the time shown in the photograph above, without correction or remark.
11:50
